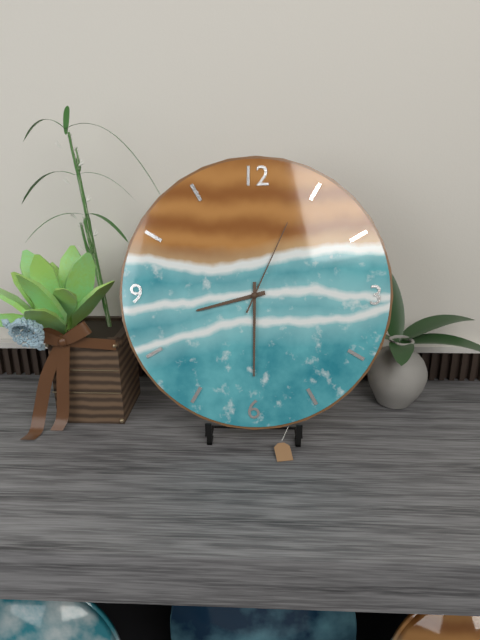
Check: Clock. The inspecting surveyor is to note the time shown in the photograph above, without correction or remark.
8:30:04
